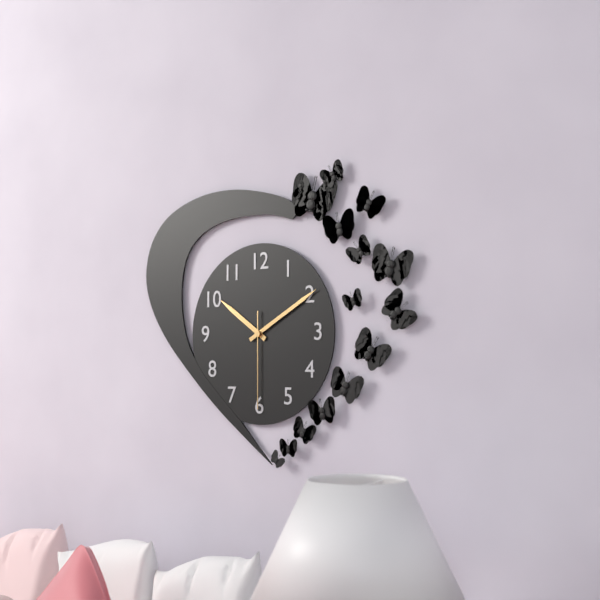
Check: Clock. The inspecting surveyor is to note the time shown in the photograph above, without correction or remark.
10:10:30
